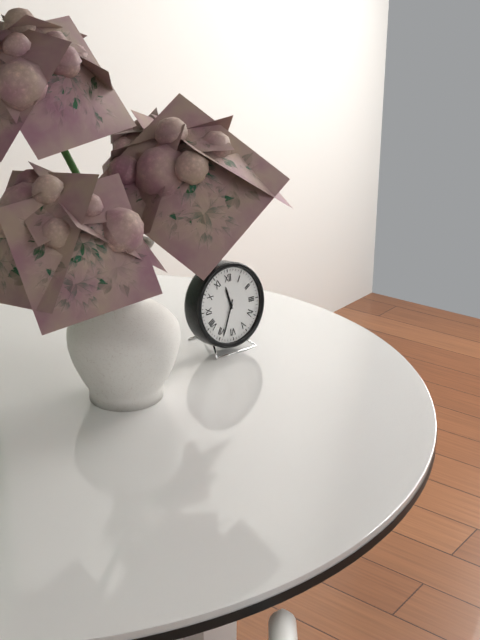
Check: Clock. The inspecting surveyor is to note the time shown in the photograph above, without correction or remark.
11:34
